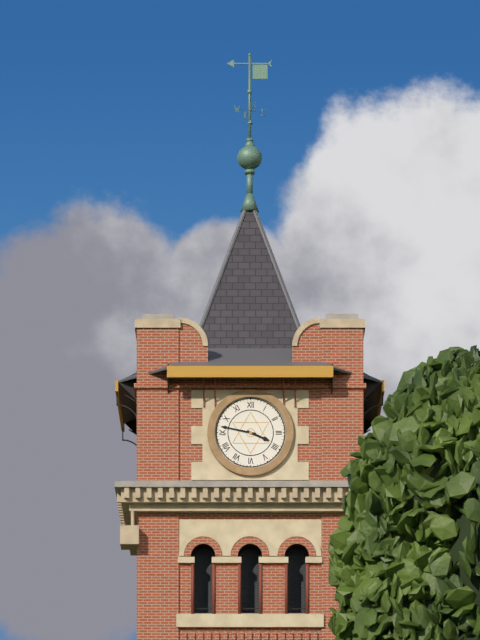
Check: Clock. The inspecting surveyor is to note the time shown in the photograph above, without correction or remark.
3:47
